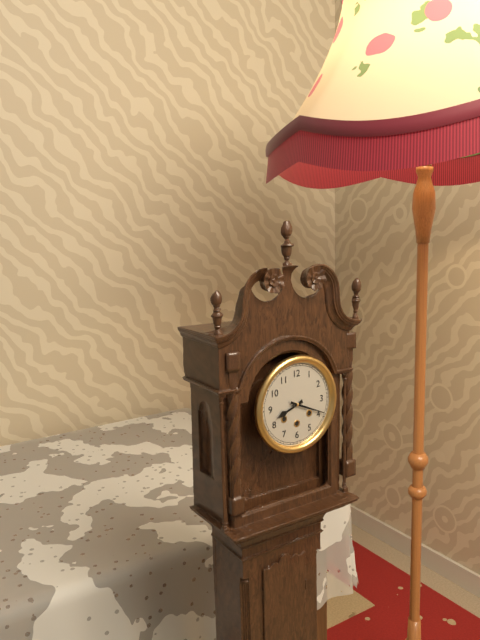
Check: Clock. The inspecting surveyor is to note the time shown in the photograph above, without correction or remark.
8:19
